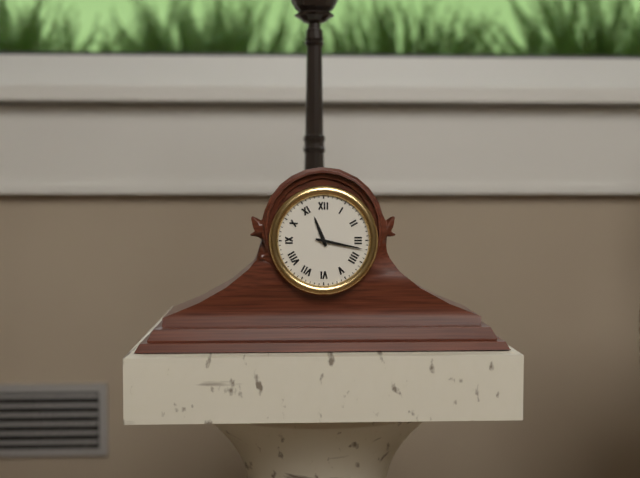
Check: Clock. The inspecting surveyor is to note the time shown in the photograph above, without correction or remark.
11:17
